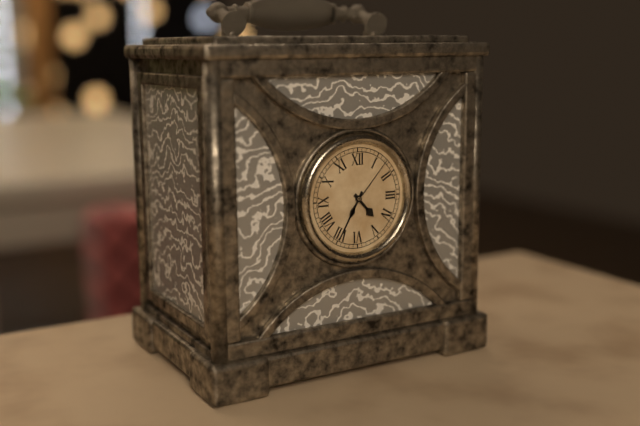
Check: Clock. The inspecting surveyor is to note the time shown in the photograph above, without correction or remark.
4:35:07
